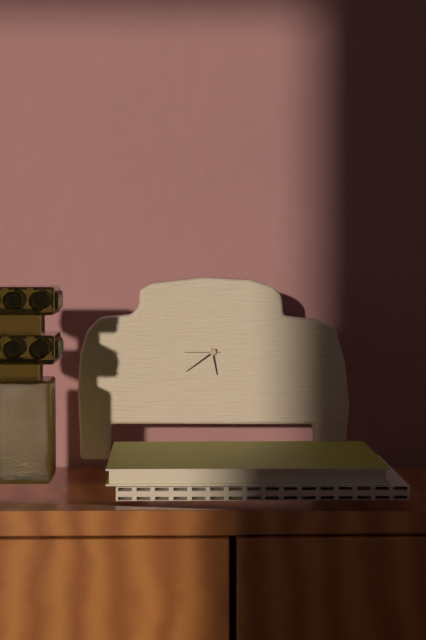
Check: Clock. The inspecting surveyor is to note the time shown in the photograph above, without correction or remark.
5:39
